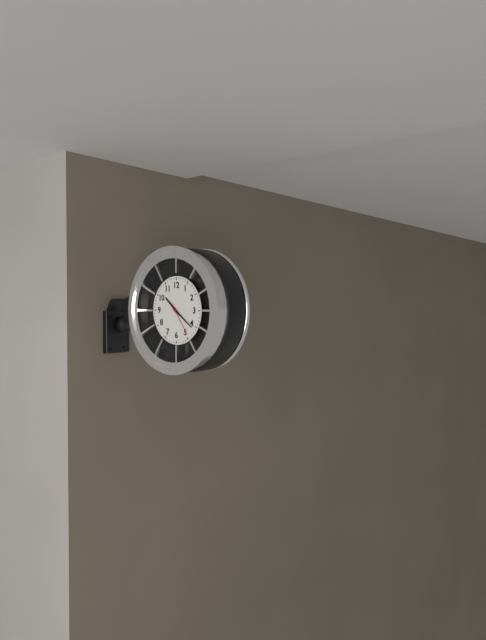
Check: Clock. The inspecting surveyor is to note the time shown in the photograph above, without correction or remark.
10:21
